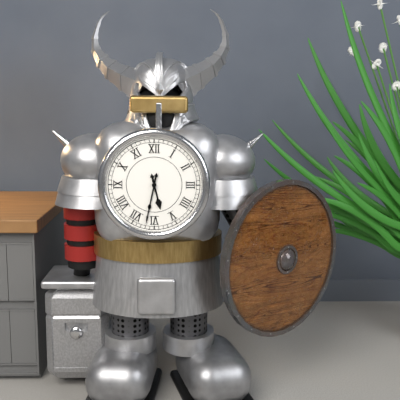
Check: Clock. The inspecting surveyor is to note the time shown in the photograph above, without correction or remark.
5:32
